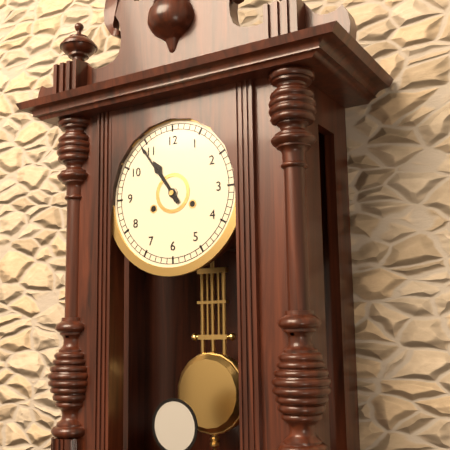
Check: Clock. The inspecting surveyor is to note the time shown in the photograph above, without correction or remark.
10:54
